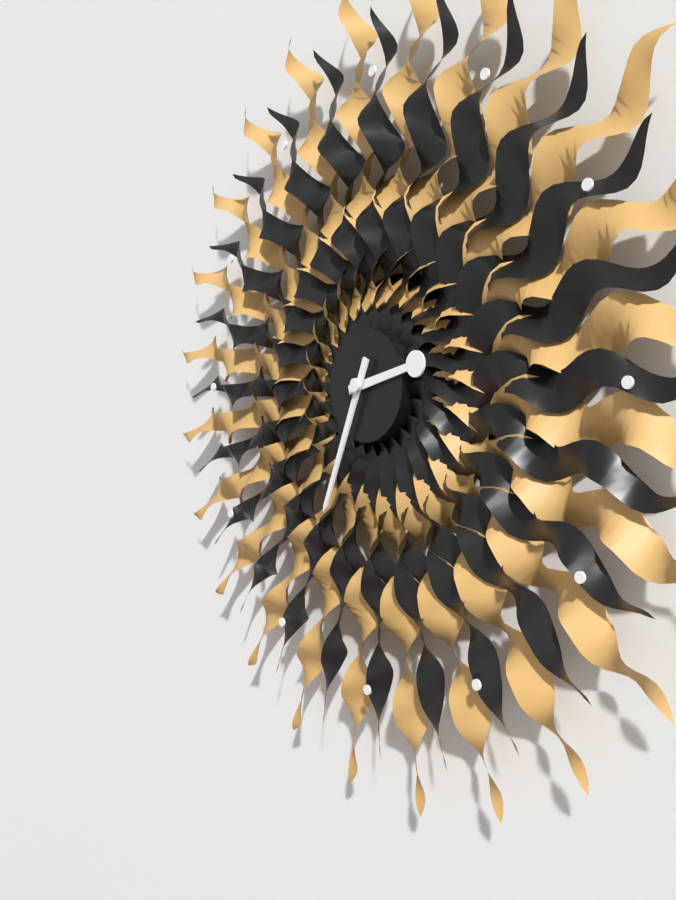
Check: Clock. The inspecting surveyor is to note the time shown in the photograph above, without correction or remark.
2:34
